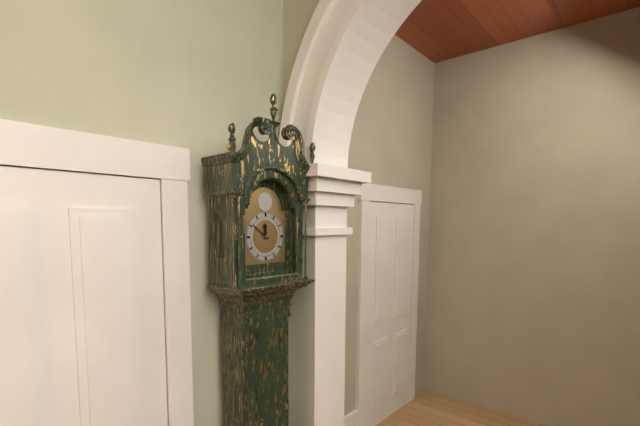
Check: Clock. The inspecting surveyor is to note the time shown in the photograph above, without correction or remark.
11:51
